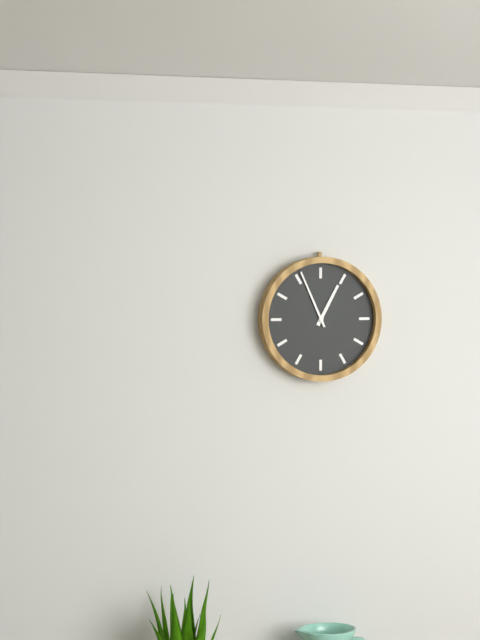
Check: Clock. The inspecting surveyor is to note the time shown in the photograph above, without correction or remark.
12:56
